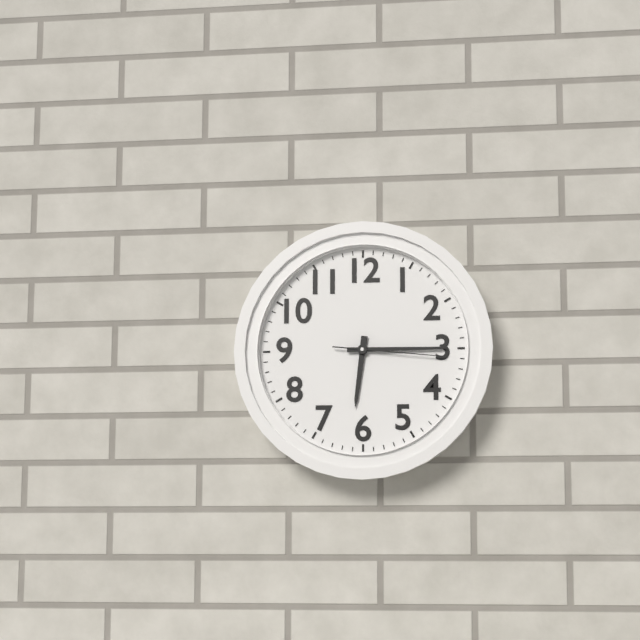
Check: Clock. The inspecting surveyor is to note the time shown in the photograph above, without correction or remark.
6:15:16
